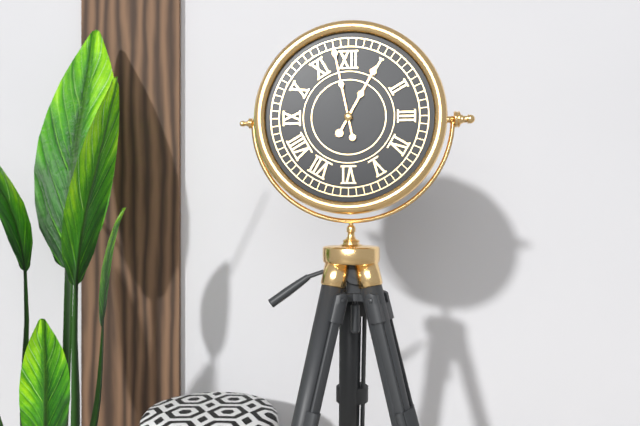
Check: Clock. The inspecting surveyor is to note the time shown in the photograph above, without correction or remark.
12:58
